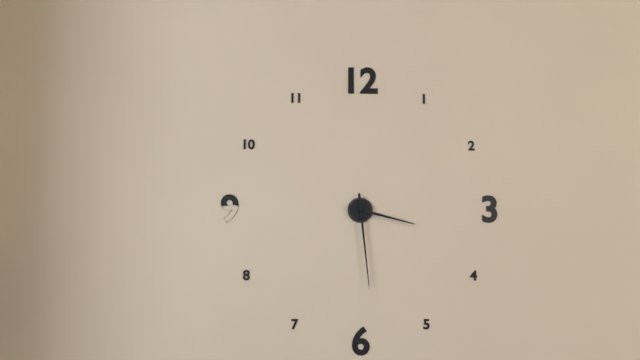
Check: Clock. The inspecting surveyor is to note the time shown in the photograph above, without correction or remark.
3:29
